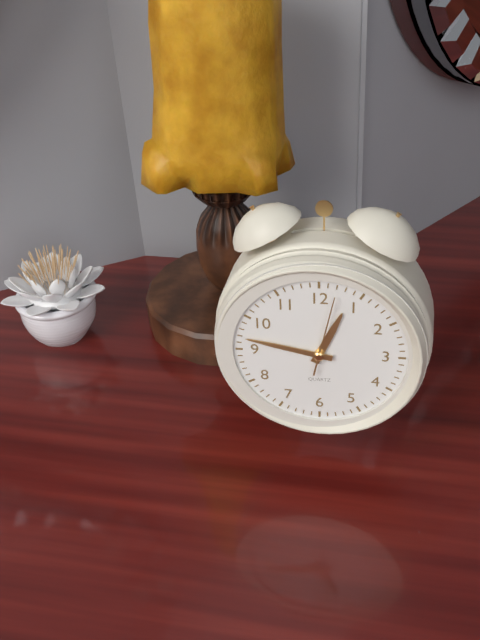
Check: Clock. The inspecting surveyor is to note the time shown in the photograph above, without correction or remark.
12:47:02
